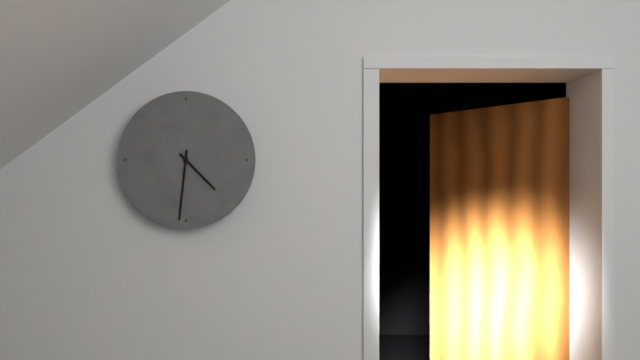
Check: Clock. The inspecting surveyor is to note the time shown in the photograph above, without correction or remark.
4:31
